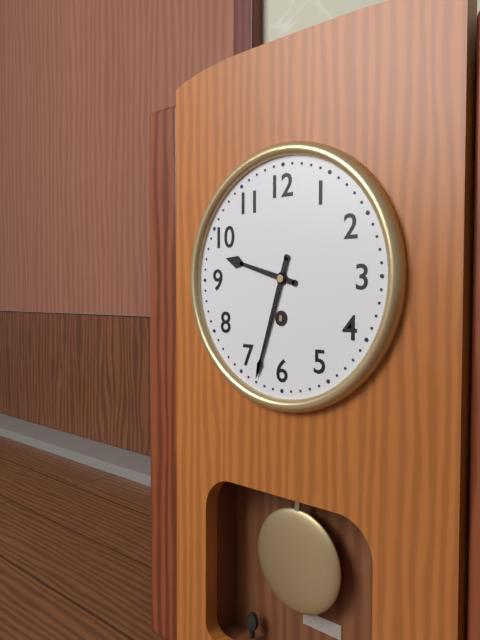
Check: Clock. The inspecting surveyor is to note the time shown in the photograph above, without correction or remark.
9:33
